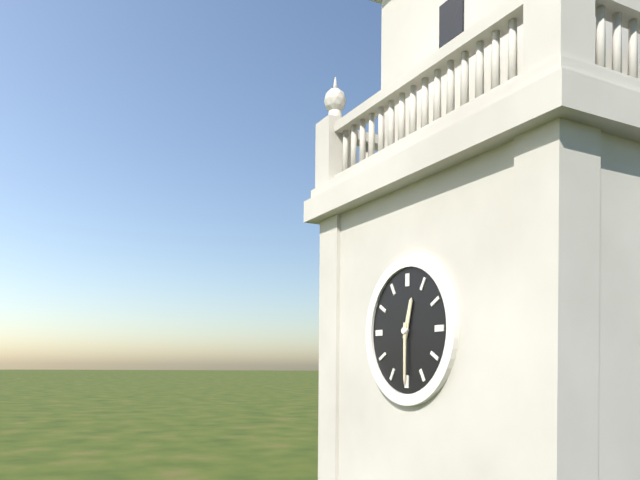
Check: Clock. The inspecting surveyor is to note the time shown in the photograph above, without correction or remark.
12:30
